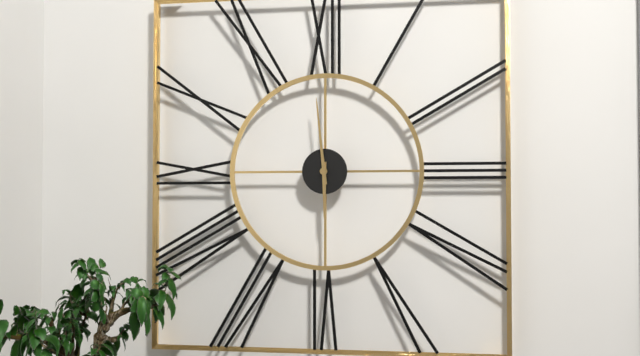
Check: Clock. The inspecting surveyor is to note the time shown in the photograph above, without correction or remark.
5:59
